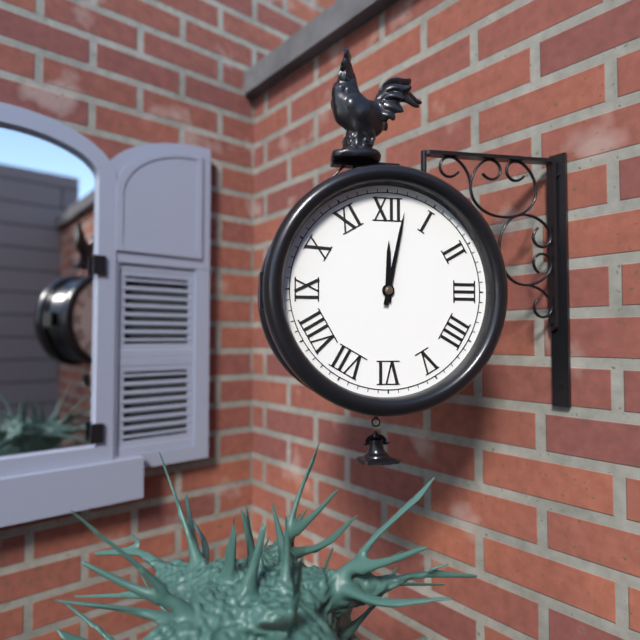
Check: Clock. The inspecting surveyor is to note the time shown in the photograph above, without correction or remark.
12:02
